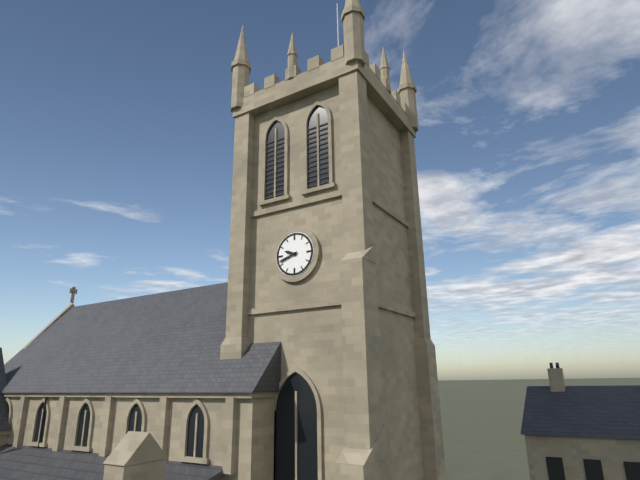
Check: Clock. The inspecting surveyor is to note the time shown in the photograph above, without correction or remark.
9:42
